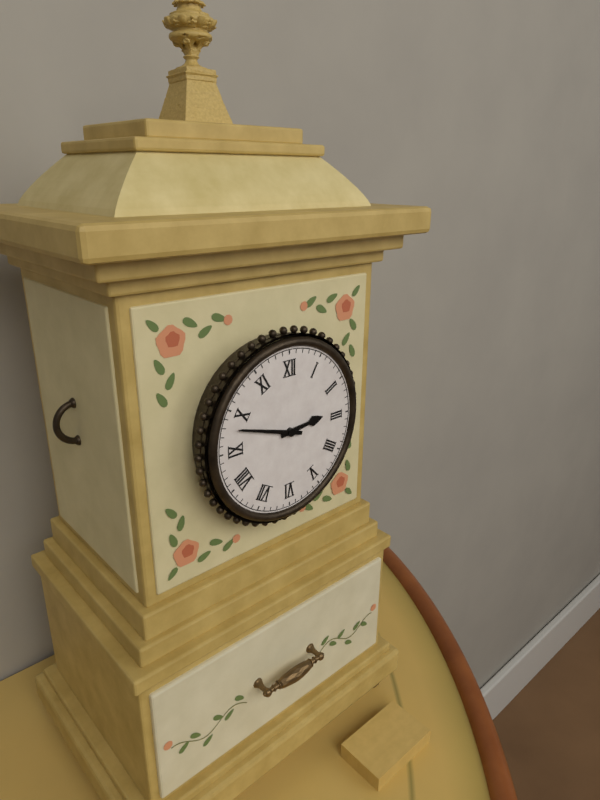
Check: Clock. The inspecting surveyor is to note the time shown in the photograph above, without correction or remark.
2:48
